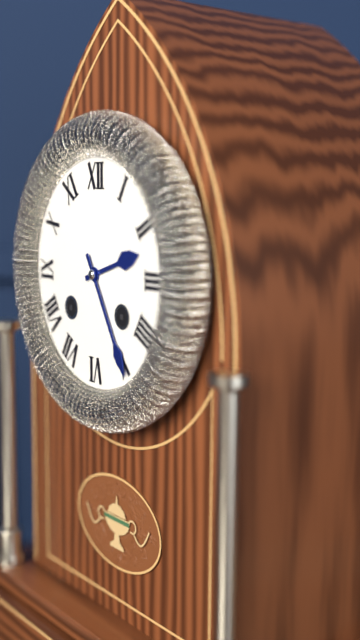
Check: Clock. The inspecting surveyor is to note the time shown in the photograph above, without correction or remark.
2:25
